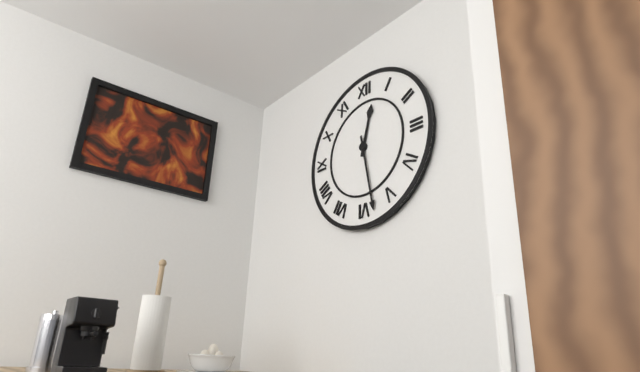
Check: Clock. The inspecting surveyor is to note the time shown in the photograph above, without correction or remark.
12:28
